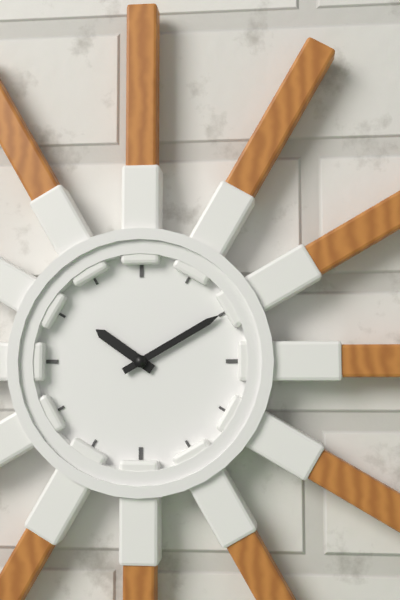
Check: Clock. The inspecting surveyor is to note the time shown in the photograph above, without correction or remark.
10:10
